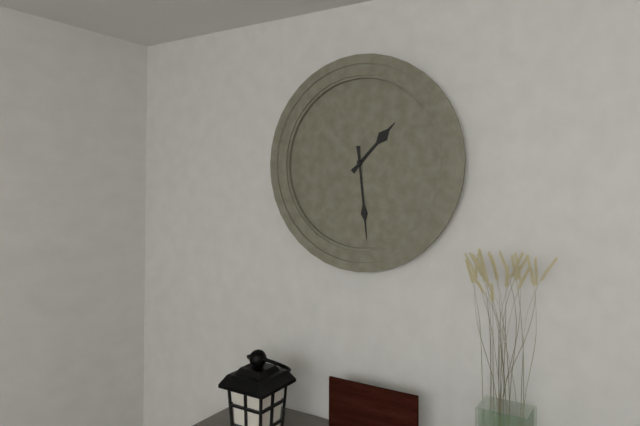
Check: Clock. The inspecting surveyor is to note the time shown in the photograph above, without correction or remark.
1:29
